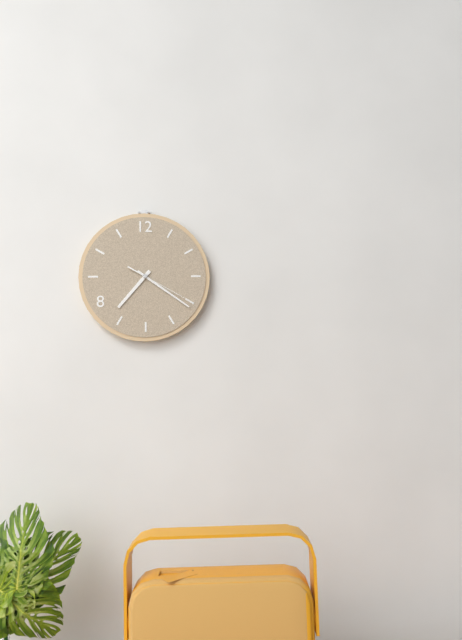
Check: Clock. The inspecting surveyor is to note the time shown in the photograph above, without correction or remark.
7:21:20
